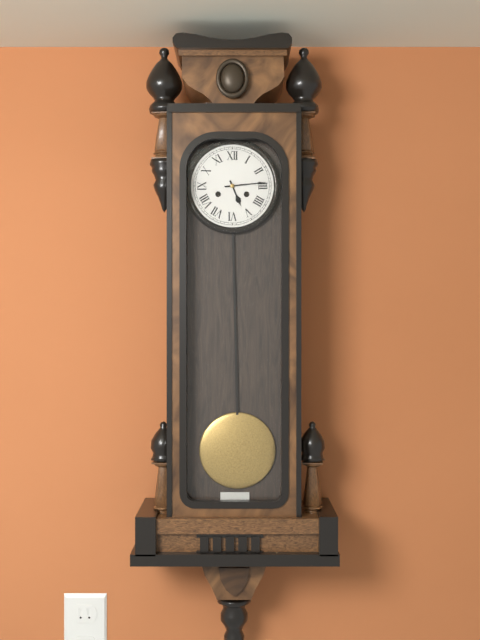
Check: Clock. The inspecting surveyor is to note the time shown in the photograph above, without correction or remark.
5:14
